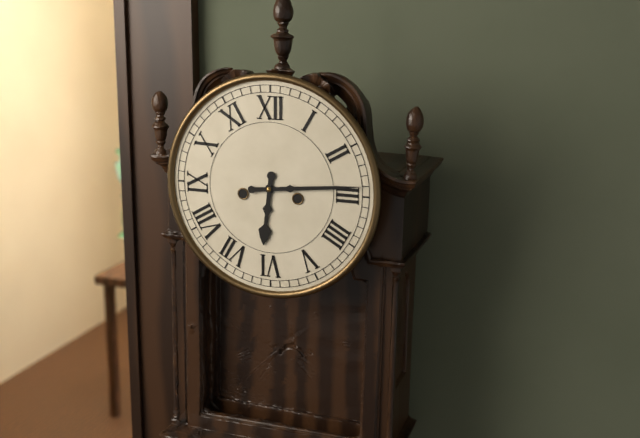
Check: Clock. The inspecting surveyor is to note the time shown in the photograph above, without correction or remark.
6:14
